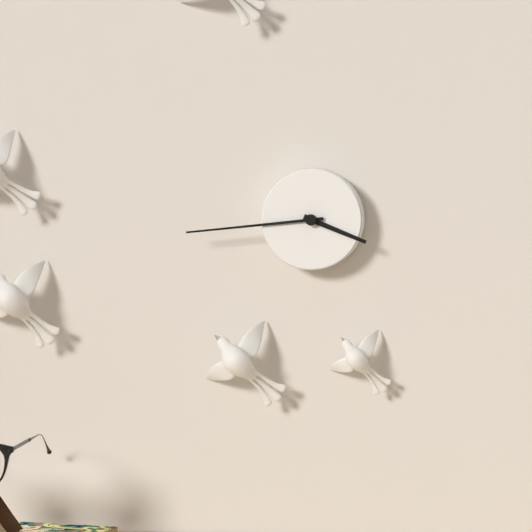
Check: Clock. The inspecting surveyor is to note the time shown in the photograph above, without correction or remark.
3:44
